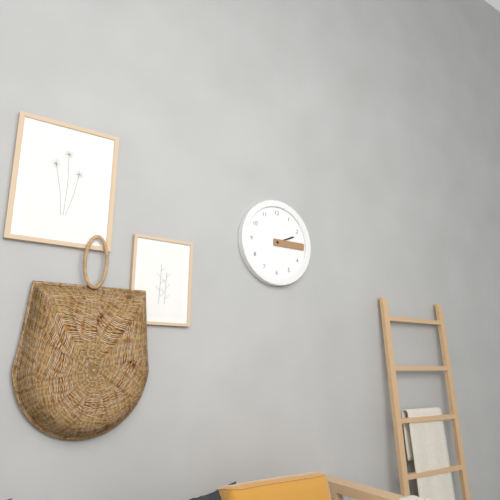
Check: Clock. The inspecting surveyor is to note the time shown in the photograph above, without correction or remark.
2:15
